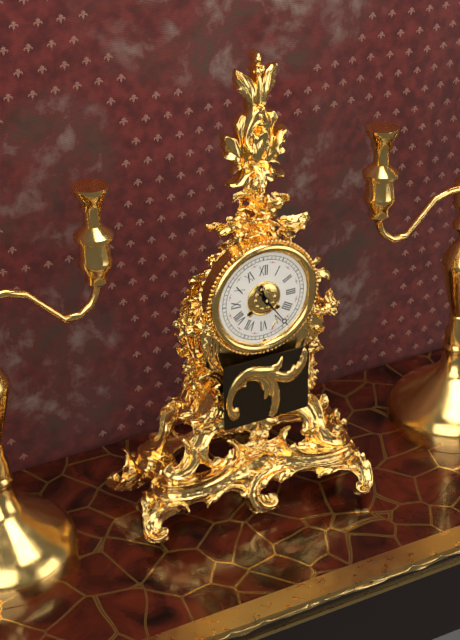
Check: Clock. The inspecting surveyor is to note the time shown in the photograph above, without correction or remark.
11:24
